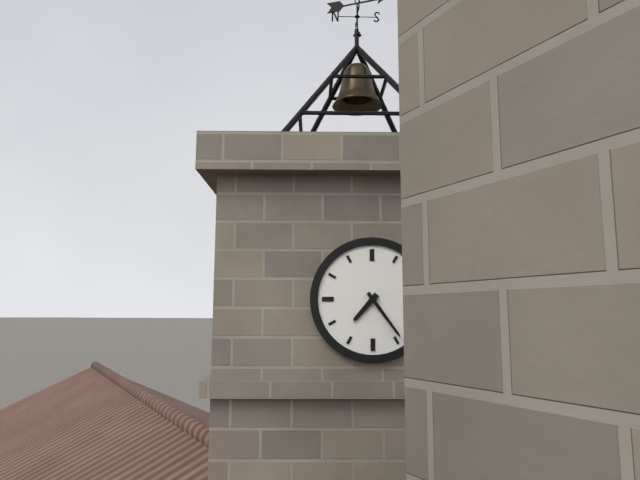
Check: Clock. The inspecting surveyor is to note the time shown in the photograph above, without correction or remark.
7:24
